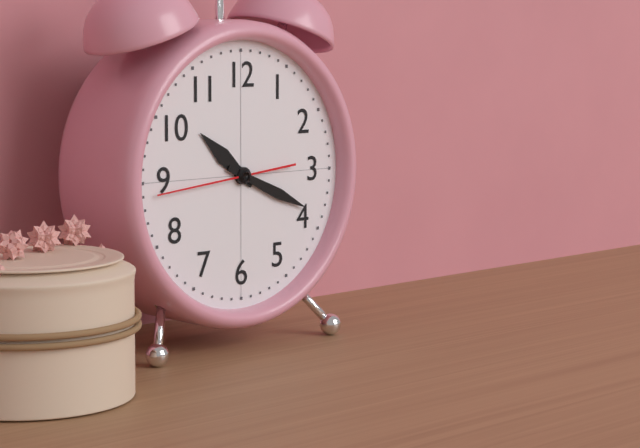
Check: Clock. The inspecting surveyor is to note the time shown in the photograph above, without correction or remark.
10:19:44
